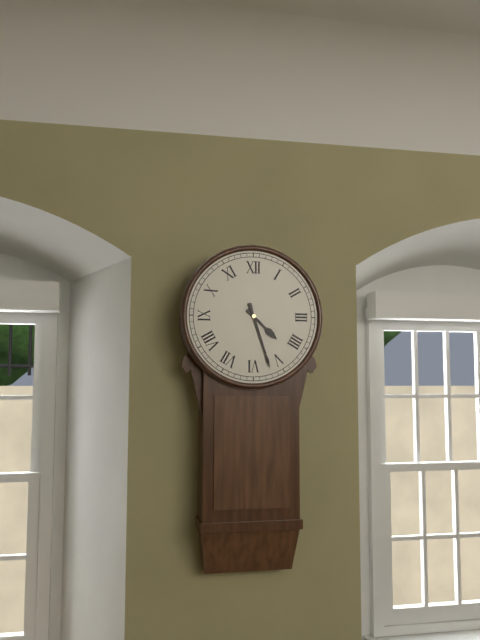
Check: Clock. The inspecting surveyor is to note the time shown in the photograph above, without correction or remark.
4:27
